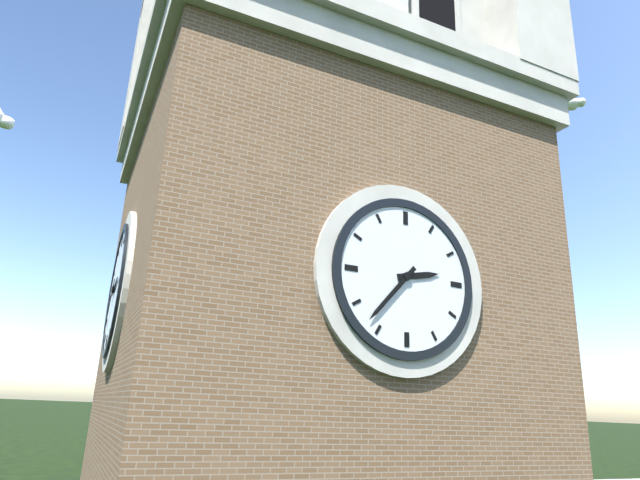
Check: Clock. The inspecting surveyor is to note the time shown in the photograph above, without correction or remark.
2:37
